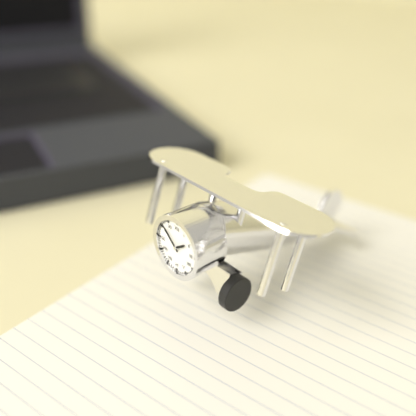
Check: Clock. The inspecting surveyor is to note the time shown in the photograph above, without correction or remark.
1:52
